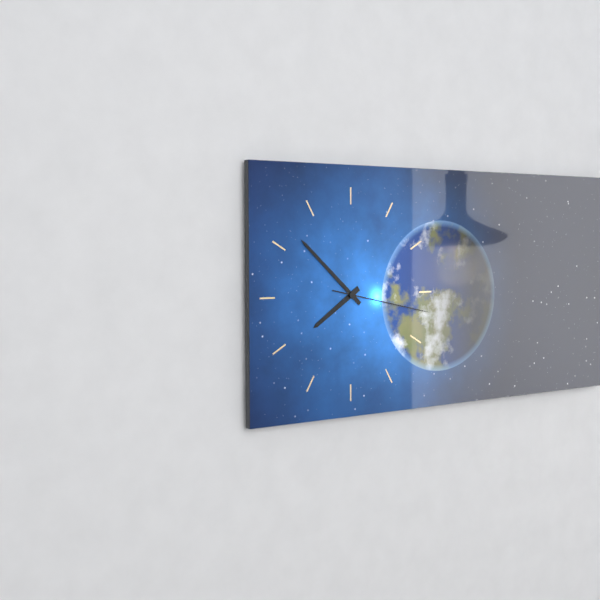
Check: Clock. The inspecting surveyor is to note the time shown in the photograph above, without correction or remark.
7:52:17
